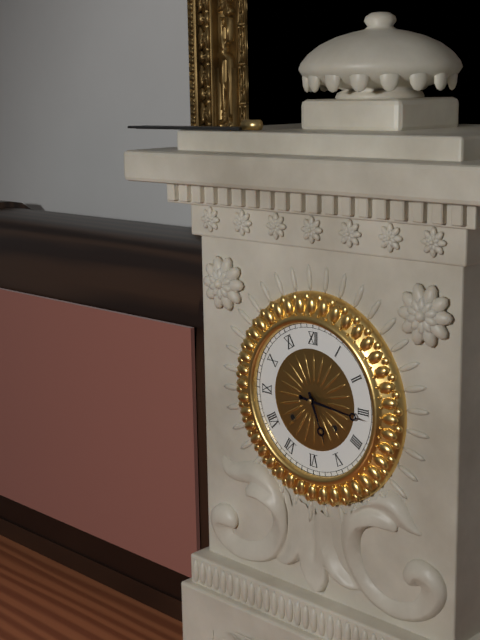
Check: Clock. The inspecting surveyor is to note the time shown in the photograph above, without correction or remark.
5:16
